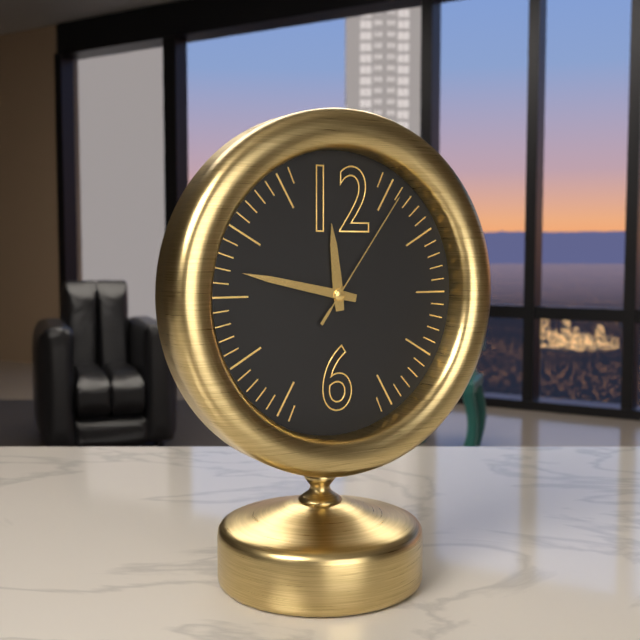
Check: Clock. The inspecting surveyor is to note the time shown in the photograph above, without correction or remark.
11:47:06
